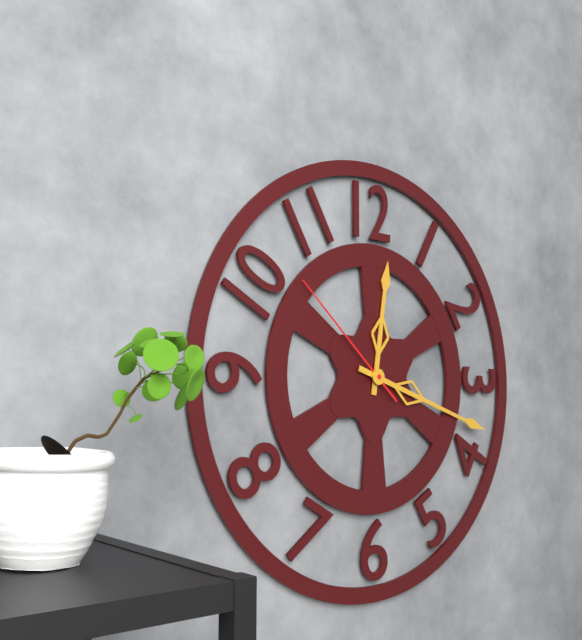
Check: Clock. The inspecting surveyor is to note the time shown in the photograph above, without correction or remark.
12:18:52
